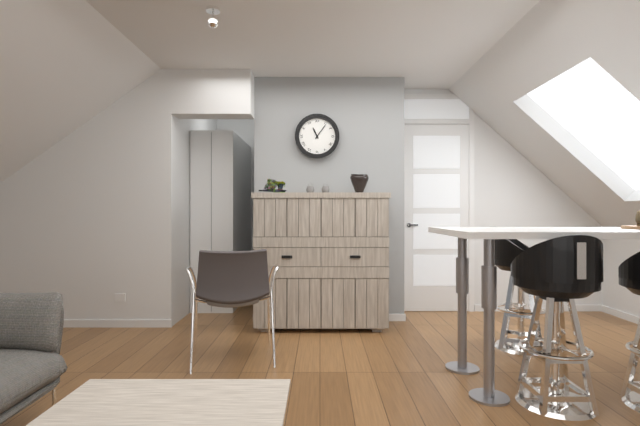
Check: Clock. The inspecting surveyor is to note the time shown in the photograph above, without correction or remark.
11:06
